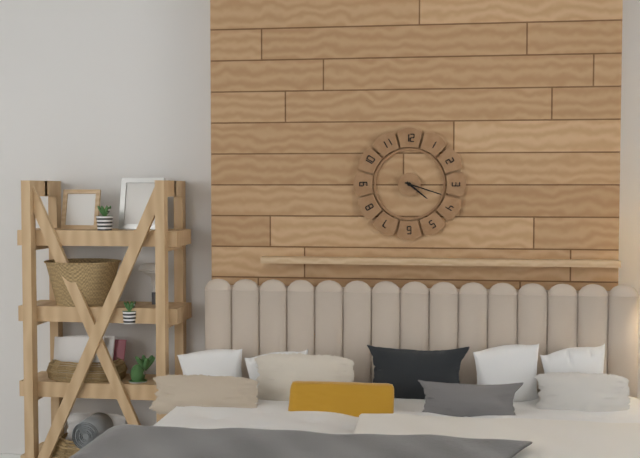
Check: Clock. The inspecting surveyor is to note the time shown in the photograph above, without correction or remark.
4:18
